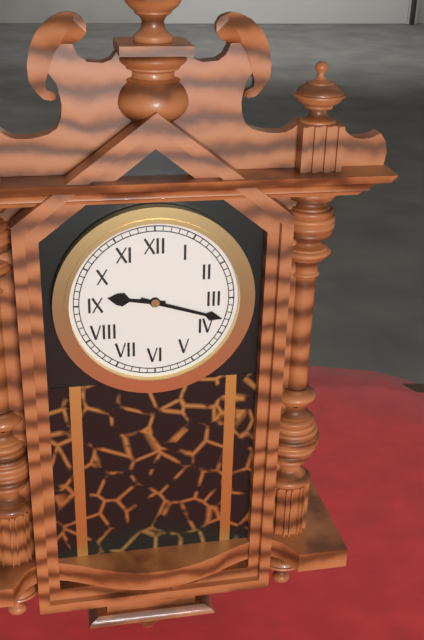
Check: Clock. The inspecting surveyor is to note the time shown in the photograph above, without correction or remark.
9:18
